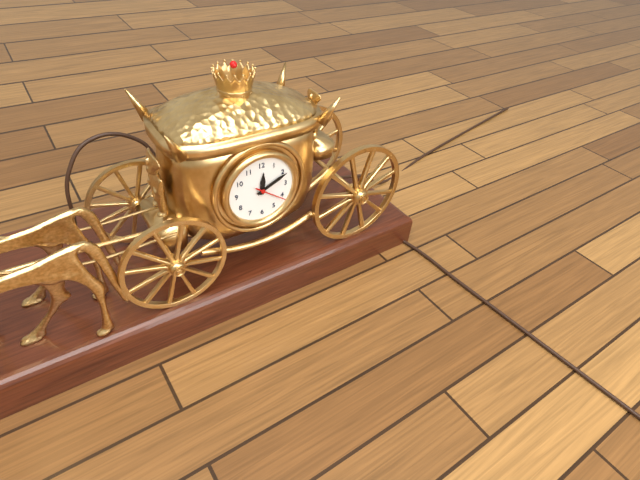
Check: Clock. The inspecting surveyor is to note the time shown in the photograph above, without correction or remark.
12:11
